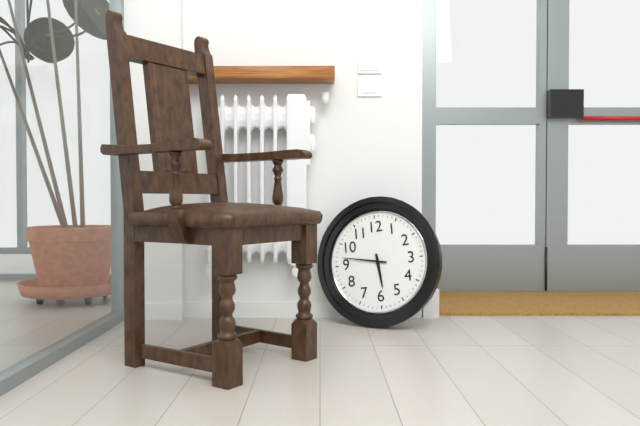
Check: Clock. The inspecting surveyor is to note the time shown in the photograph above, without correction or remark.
5:47
